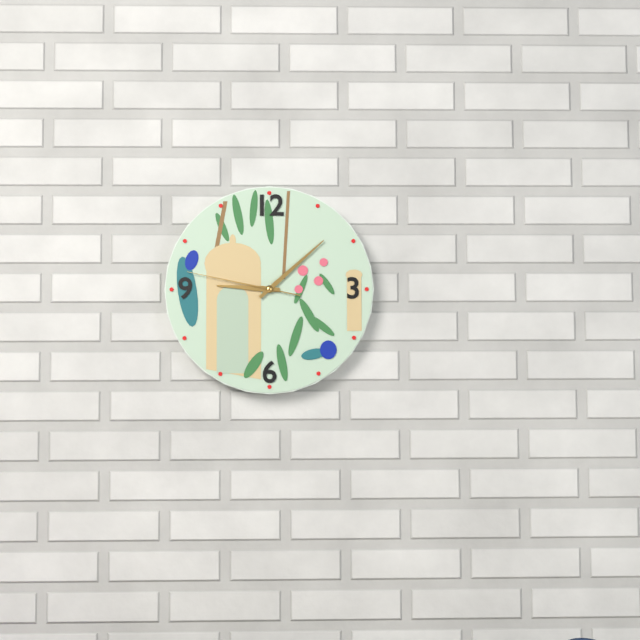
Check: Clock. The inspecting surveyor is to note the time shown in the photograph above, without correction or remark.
9:08:47
